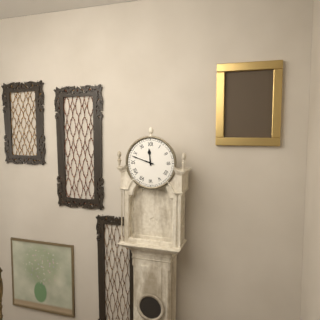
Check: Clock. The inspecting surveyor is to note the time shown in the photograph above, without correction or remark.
11:48
